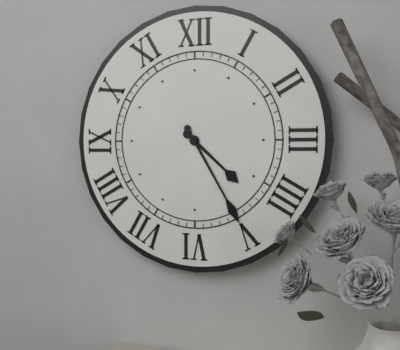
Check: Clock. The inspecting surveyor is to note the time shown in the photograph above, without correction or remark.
4:25
